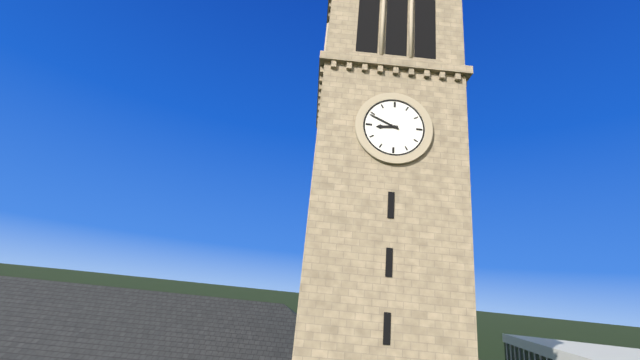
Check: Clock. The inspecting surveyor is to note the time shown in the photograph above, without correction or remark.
8:49
